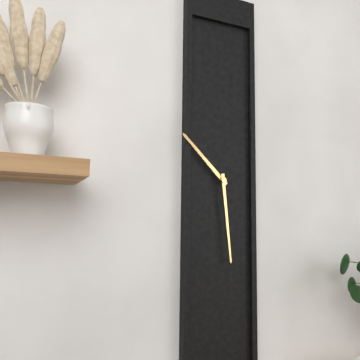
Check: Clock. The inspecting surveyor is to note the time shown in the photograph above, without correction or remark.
10:29
